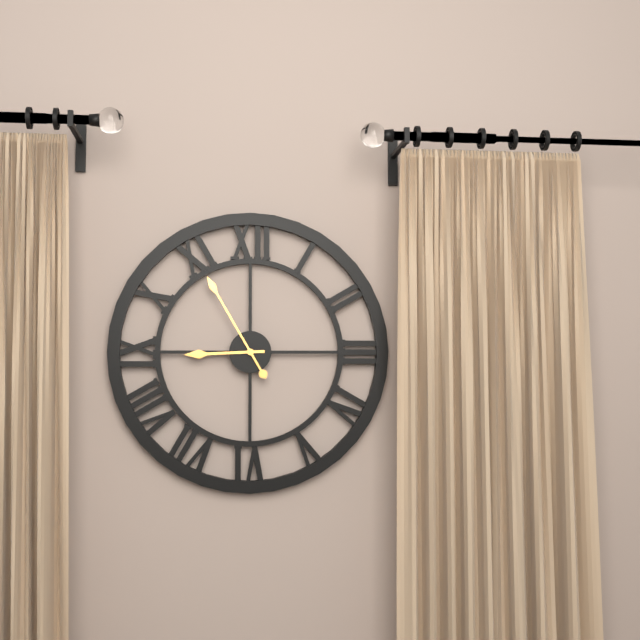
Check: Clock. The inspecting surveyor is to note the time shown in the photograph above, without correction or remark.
8:55
